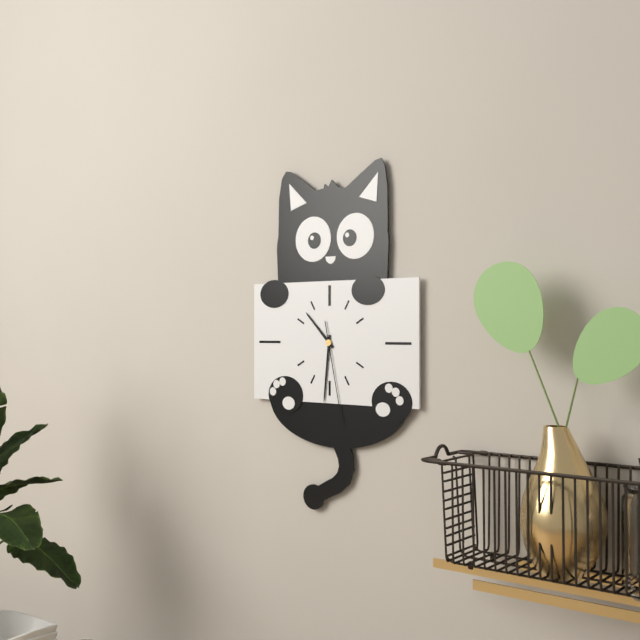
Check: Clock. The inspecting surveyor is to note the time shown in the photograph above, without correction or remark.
10:31:28
